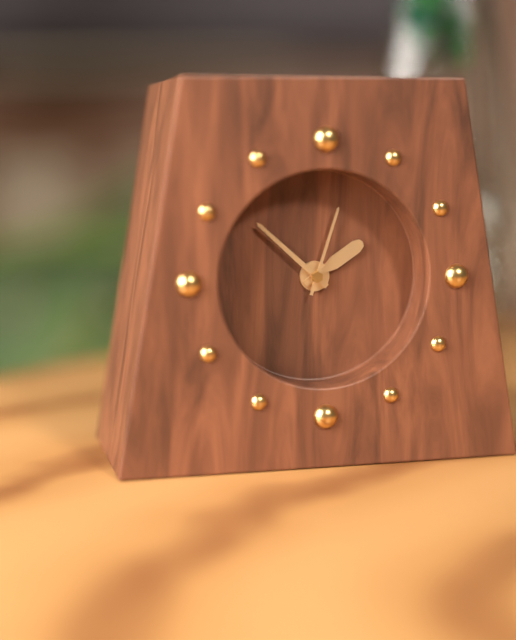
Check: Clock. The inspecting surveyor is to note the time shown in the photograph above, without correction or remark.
1:52:03
